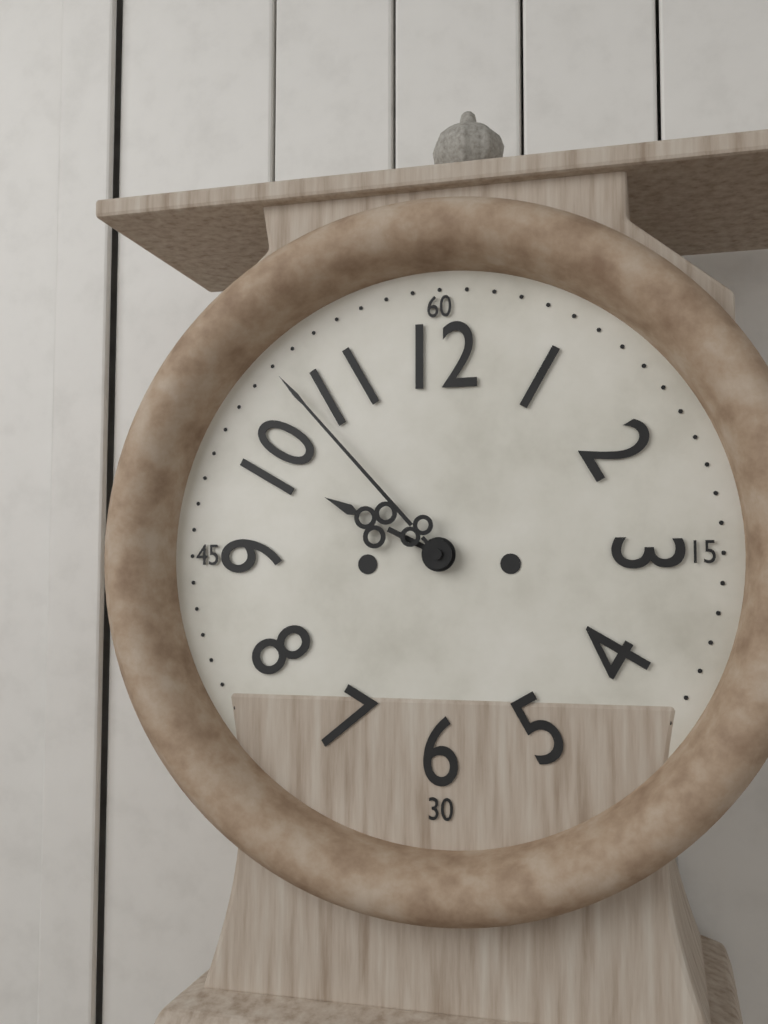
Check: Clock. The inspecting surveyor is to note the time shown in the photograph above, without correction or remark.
9:53
